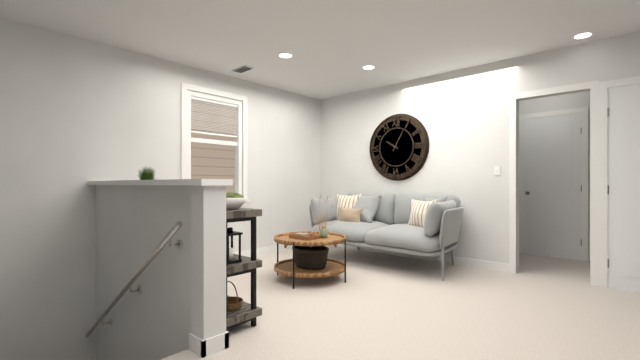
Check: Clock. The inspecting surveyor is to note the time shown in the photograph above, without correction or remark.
10:05
